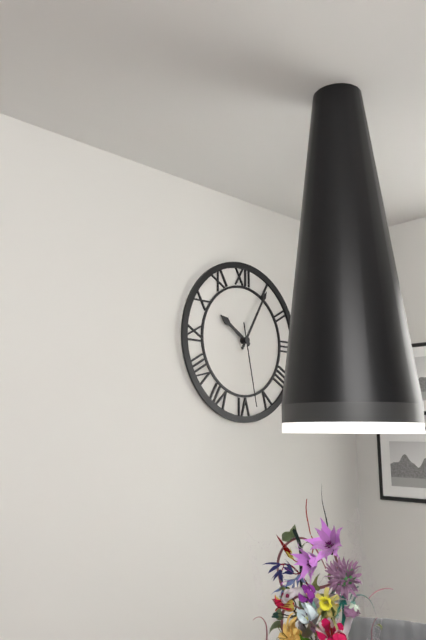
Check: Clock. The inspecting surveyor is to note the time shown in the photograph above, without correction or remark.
10:05:28
